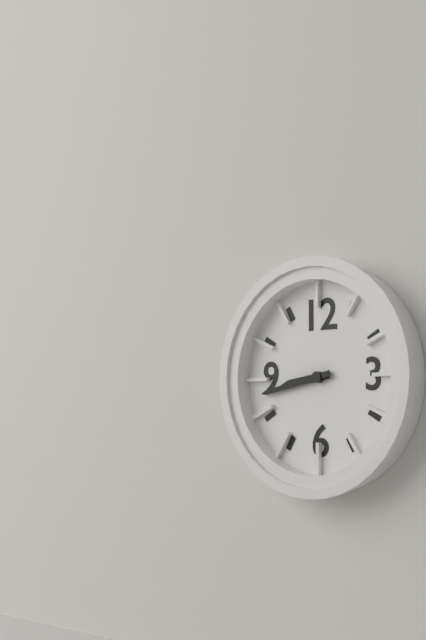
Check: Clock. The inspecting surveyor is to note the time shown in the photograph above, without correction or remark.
8:43
